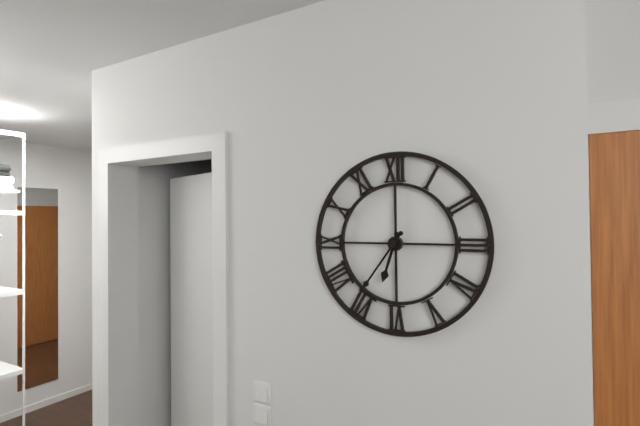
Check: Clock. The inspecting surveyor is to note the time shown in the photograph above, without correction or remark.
6:36
